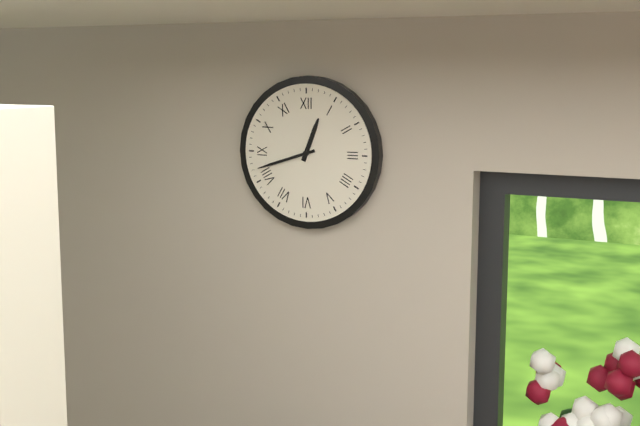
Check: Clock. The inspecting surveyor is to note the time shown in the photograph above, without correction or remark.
12:42
